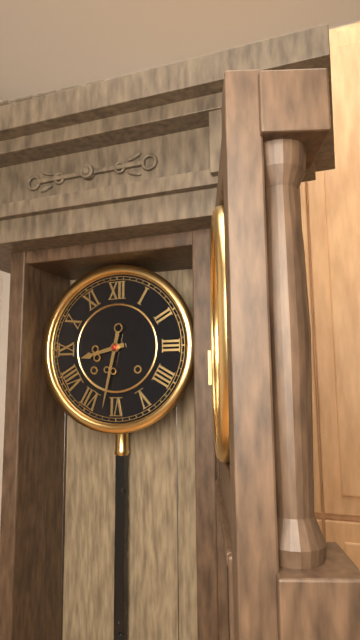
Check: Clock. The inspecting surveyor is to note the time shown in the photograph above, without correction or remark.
8:32
